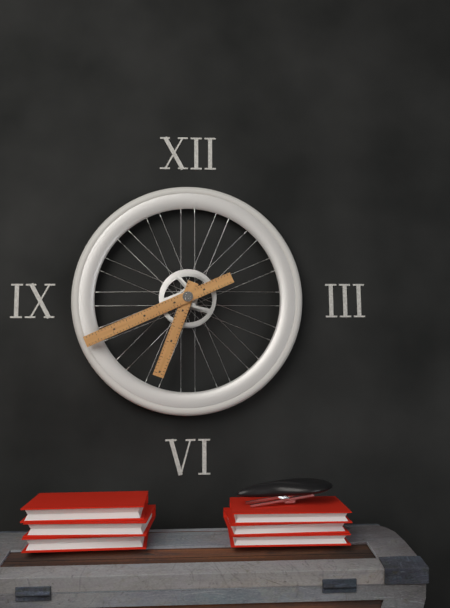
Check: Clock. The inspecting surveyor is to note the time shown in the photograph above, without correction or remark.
6:41
